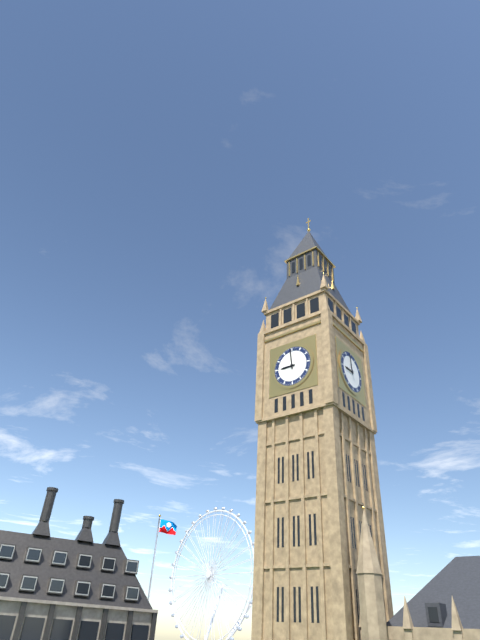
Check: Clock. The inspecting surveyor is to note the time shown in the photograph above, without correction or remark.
8:59
